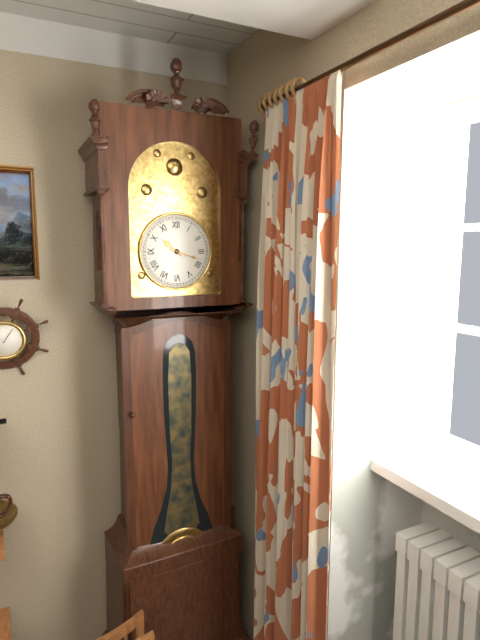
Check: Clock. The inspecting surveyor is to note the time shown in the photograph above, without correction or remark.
10:18
